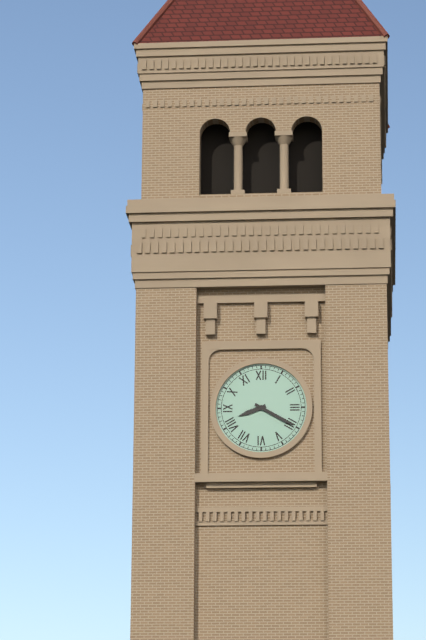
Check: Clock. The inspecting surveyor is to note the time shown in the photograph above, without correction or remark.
8:20
